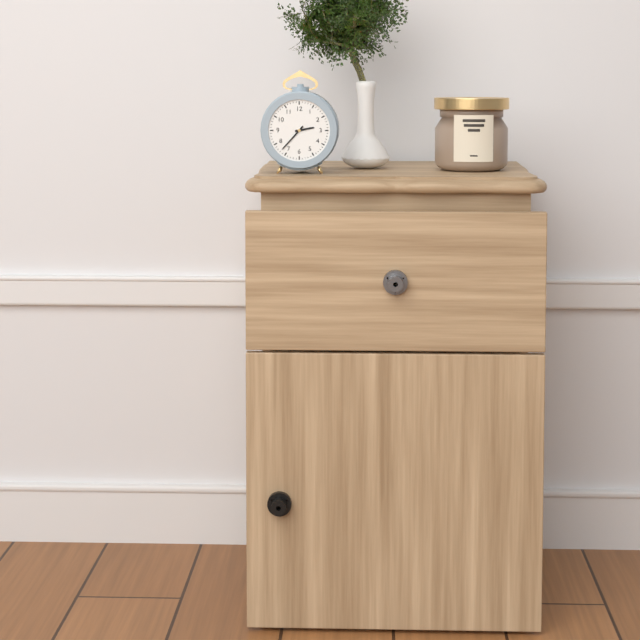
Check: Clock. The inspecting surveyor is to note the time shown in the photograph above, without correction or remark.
2:37
